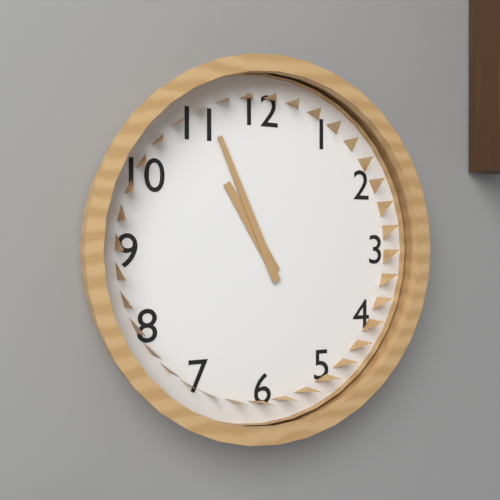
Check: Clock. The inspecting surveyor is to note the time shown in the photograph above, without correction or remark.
10:56
